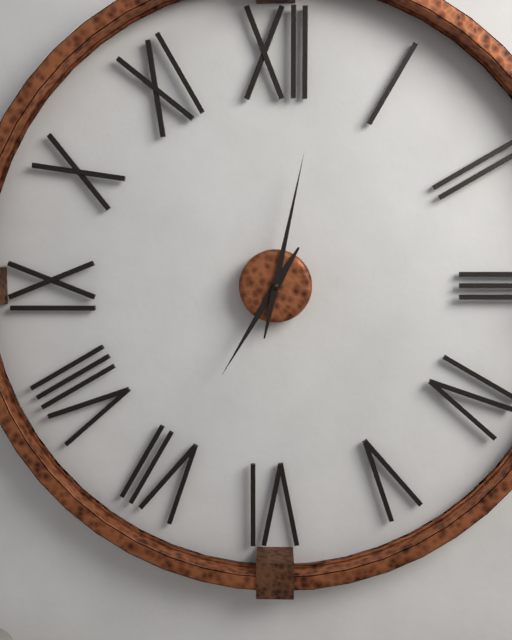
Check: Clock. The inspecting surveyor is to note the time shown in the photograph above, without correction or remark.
7:02
